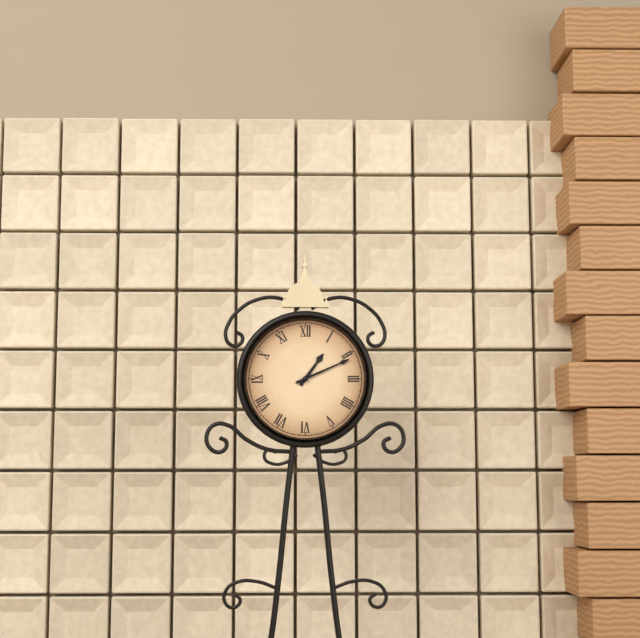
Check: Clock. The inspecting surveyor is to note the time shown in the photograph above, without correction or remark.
1:11
